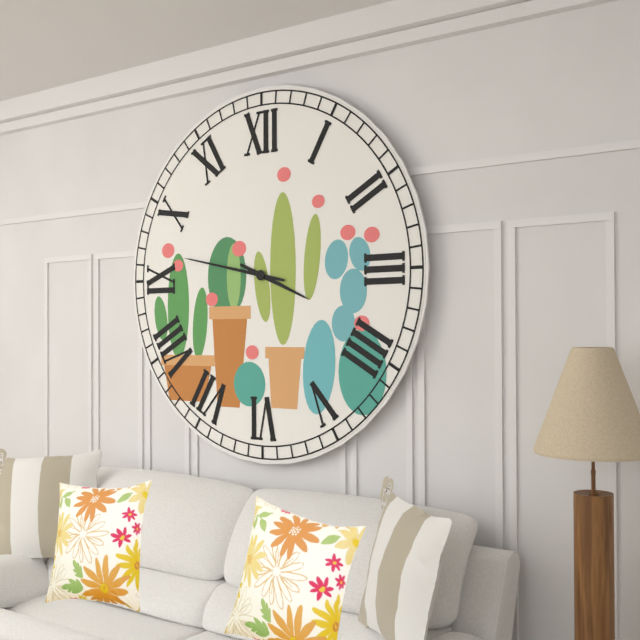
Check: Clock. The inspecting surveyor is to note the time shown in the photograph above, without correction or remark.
3:47
